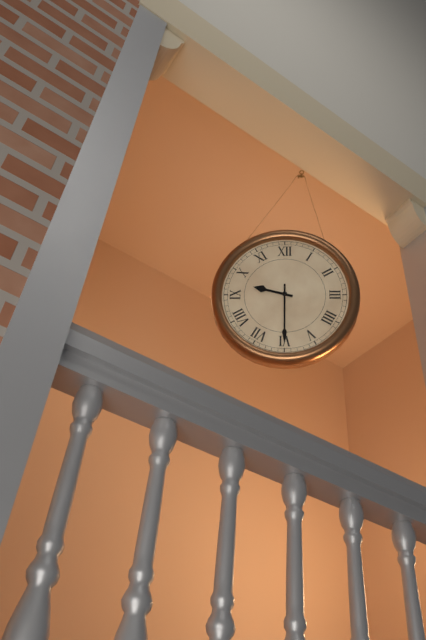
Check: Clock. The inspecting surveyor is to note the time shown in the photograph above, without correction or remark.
9:30
